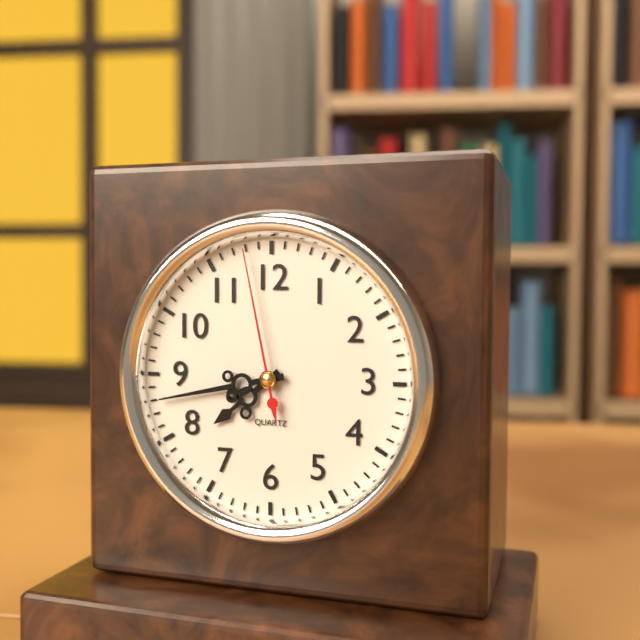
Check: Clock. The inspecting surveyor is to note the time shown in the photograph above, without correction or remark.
7:43:58
